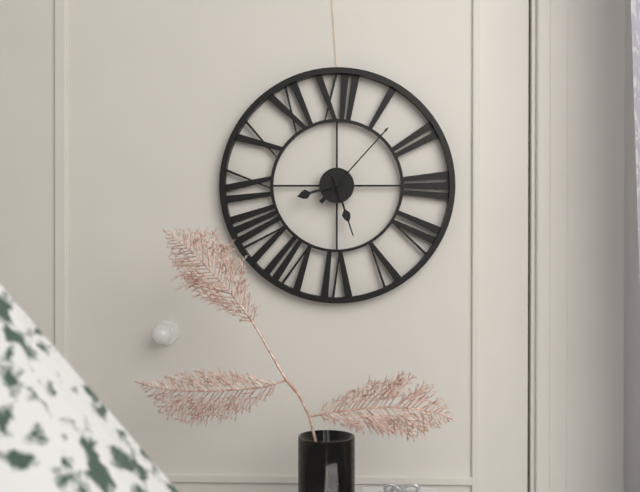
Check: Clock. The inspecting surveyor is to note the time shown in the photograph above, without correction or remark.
8:27:07
